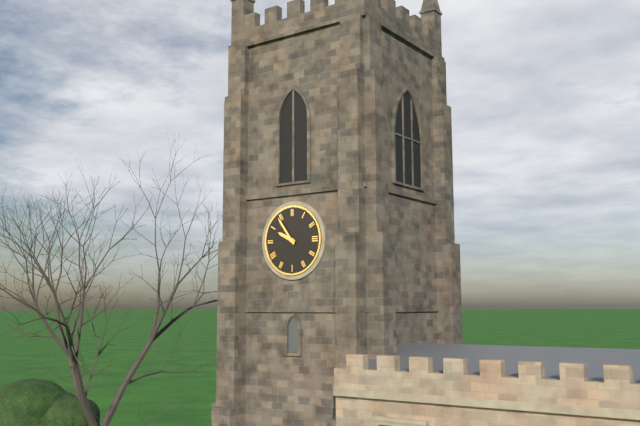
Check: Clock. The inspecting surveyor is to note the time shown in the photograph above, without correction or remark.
9:54
